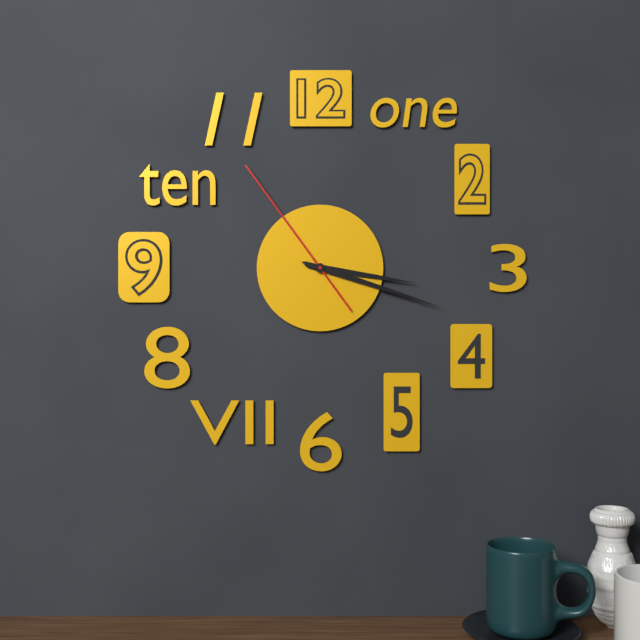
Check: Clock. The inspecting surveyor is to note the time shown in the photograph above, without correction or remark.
3:18:54
